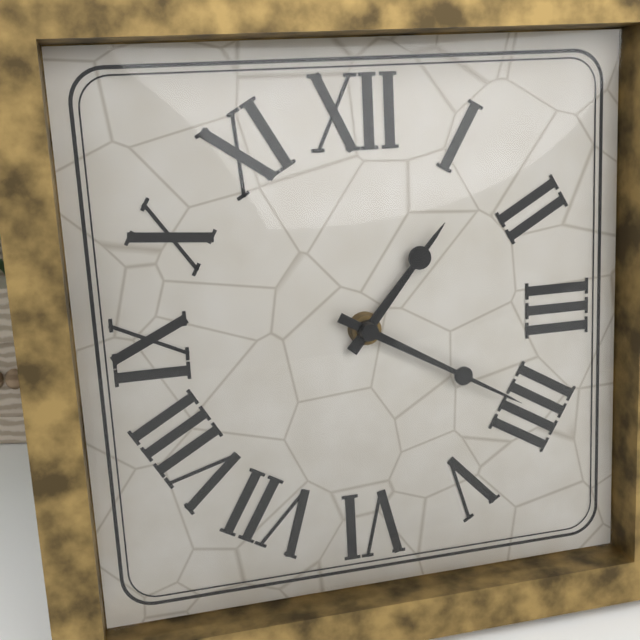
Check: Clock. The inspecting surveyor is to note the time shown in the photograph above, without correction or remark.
1:20
